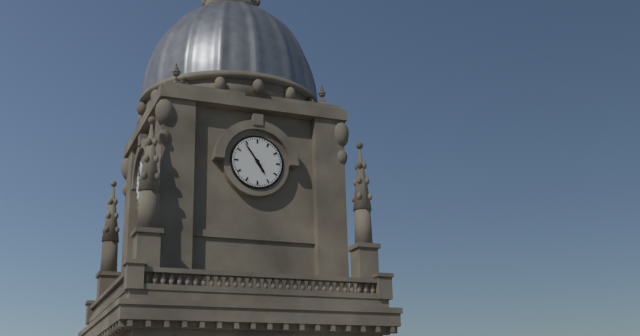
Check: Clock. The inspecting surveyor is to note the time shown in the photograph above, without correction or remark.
4:54
